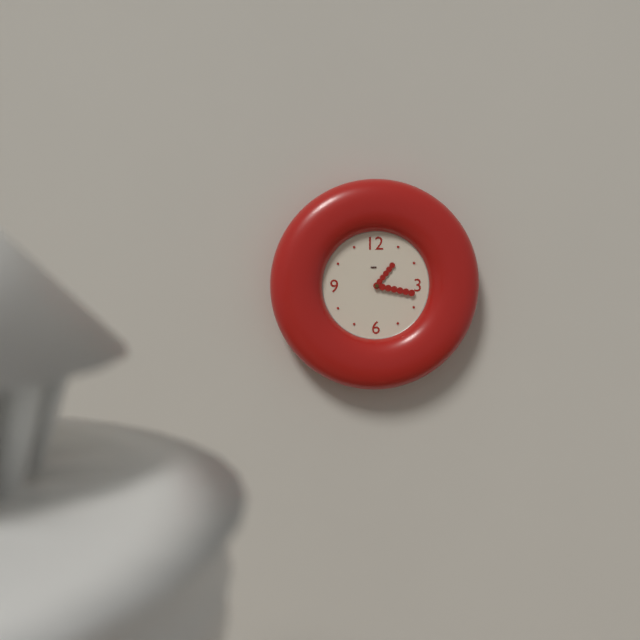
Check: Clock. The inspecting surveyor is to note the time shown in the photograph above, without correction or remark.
1:17
